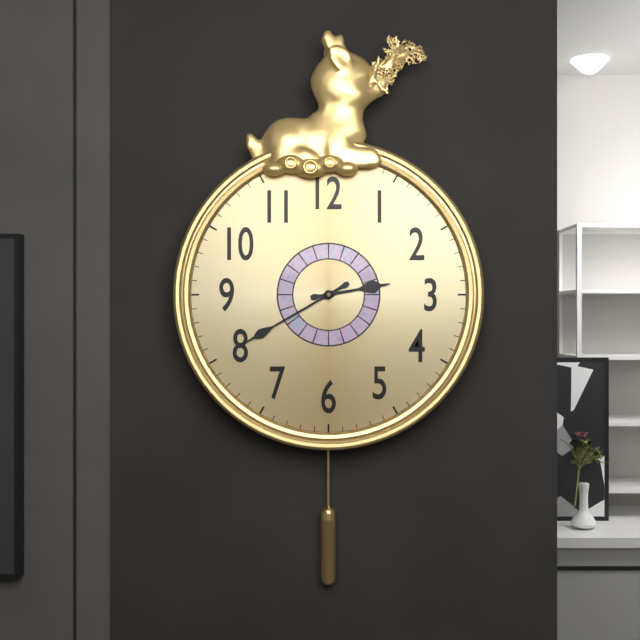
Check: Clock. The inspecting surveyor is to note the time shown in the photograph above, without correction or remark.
2:40:40
